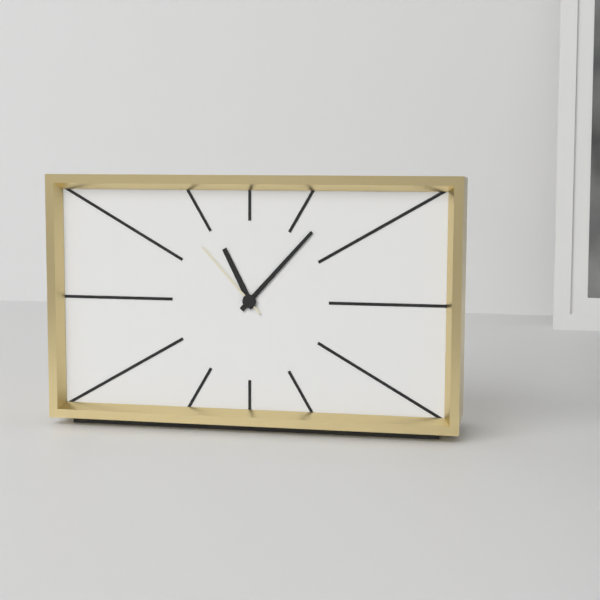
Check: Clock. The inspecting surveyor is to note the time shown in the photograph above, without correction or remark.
11:07:53
